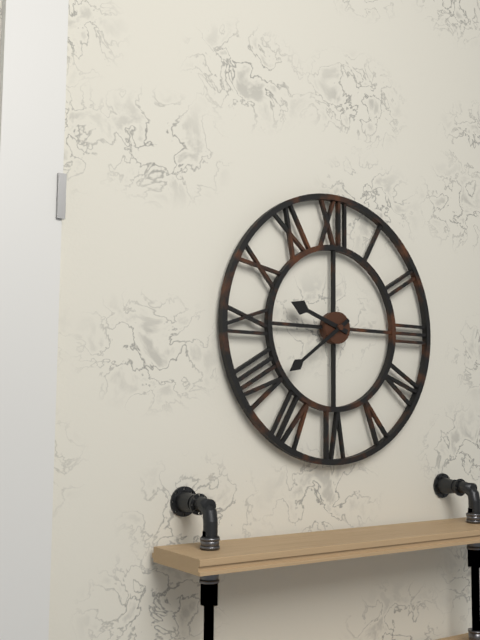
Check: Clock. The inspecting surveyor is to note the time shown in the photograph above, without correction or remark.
9:39
